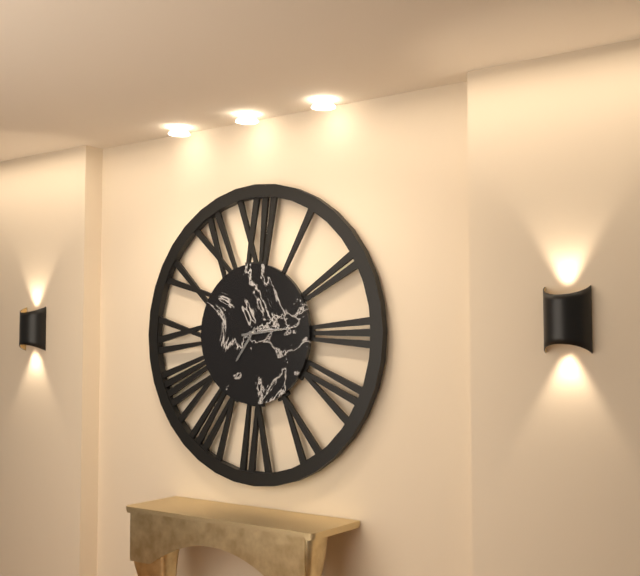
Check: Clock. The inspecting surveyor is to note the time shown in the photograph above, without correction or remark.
7:14
